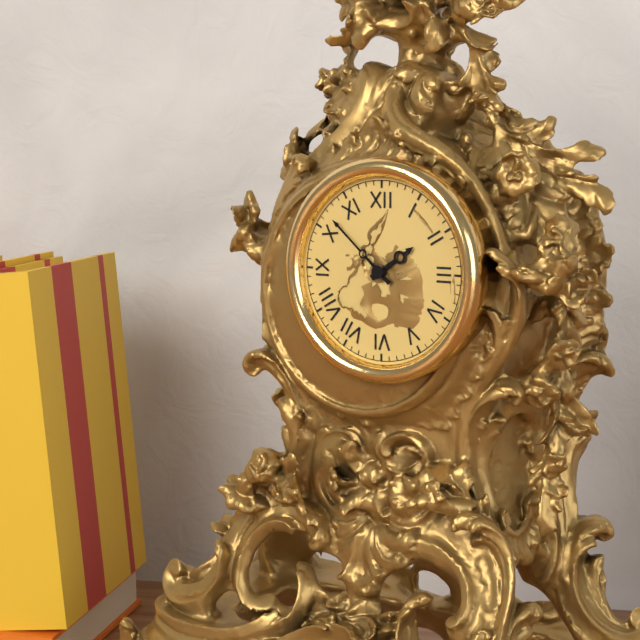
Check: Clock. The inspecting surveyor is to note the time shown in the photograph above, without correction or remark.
1:52
